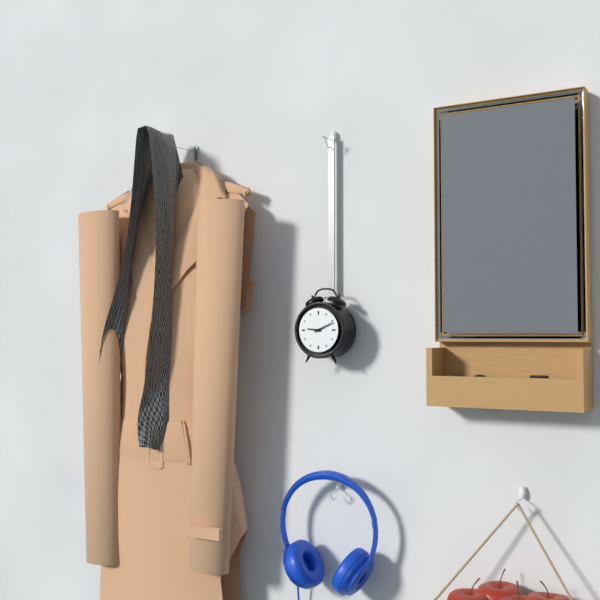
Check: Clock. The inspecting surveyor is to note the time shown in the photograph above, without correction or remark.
9:11
